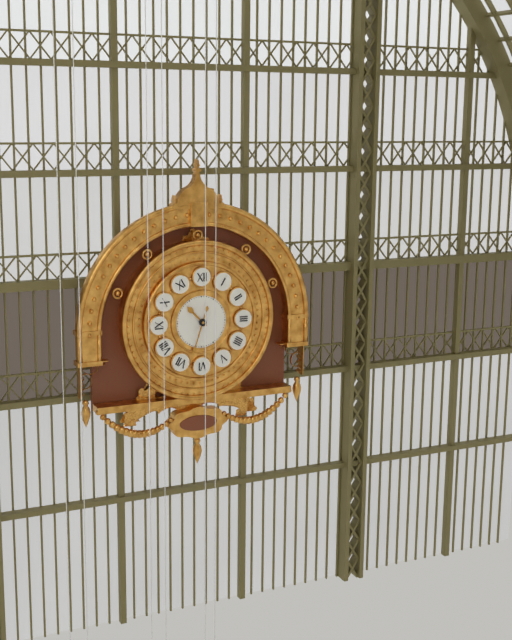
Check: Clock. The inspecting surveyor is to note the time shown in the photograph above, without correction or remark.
10:33
